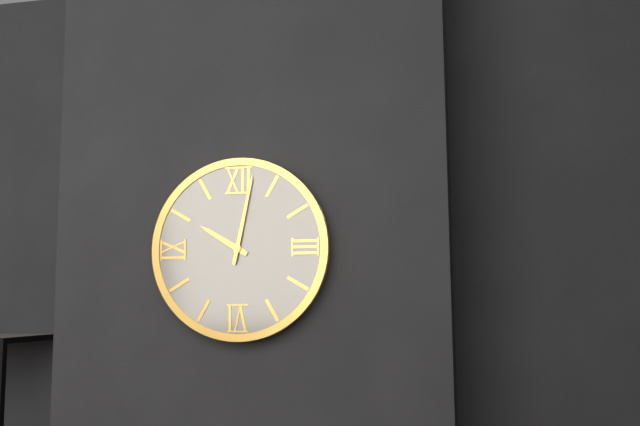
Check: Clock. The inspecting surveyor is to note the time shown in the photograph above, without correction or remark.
10:02
